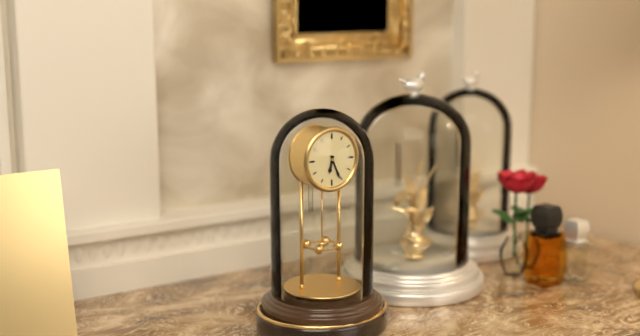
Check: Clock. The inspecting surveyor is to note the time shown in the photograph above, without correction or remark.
6:26
